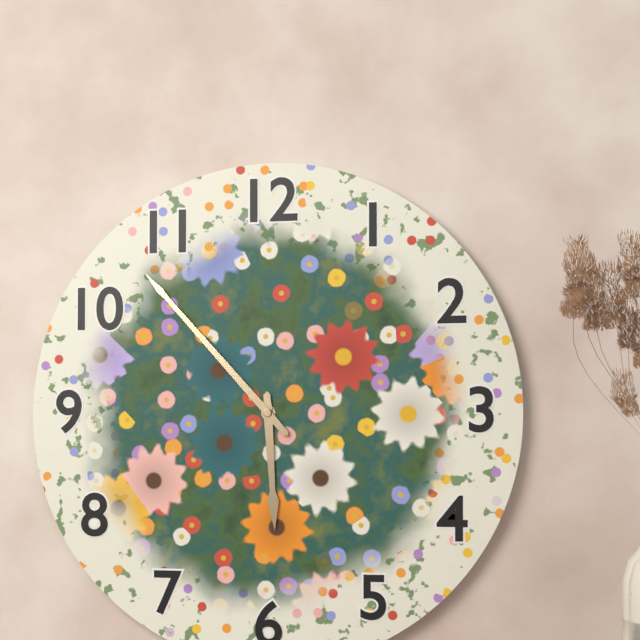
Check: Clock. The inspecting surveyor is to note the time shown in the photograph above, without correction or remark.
5:53
